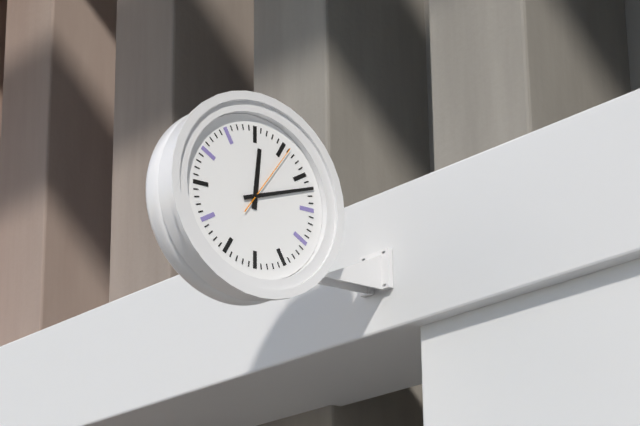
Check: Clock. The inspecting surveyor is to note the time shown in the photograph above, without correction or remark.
12:12:06
